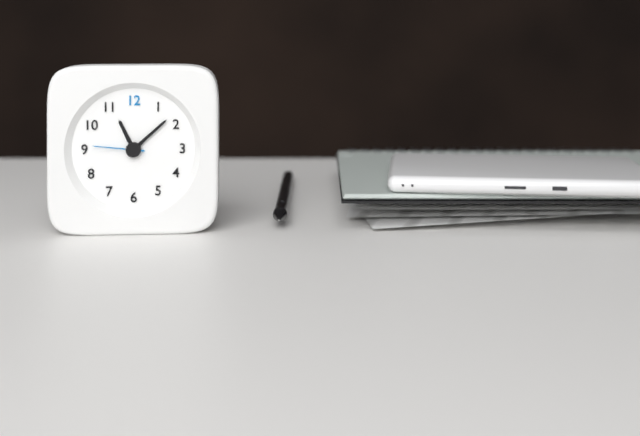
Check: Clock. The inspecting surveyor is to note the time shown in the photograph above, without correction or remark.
11:08:46
